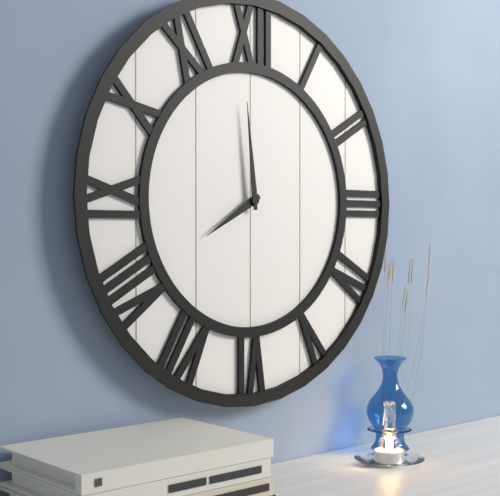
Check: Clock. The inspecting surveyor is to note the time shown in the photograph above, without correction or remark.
7:59
